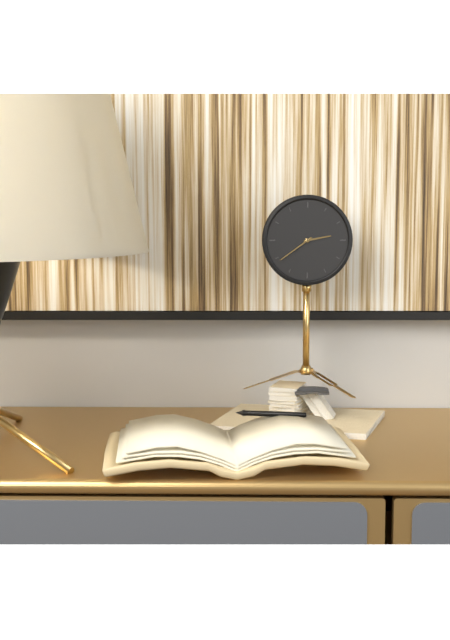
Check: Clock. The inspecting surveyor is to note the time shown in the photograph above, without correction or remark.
2:39
